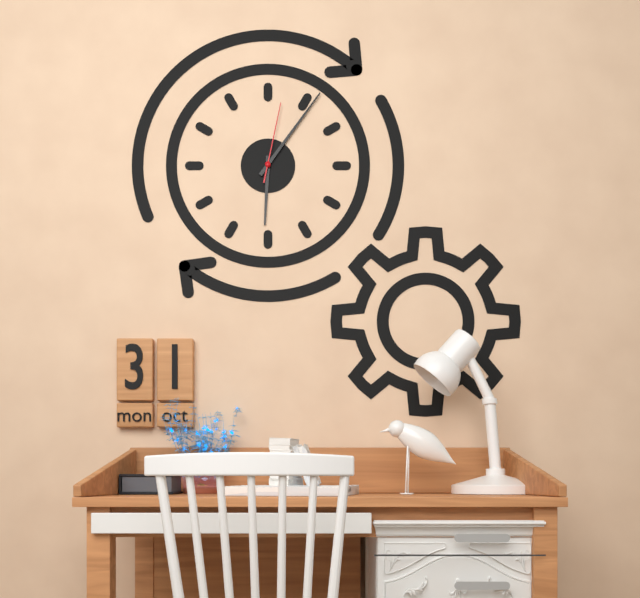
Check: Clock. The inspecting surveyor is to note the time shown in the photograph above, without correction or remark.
6:06:02
